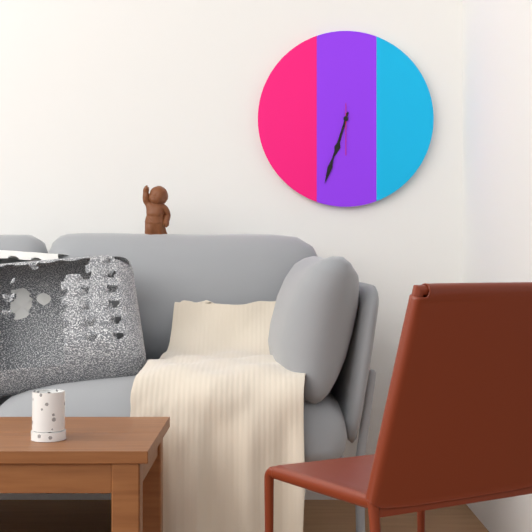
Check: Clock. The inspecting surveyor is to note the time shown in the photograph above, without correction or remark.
6:33
